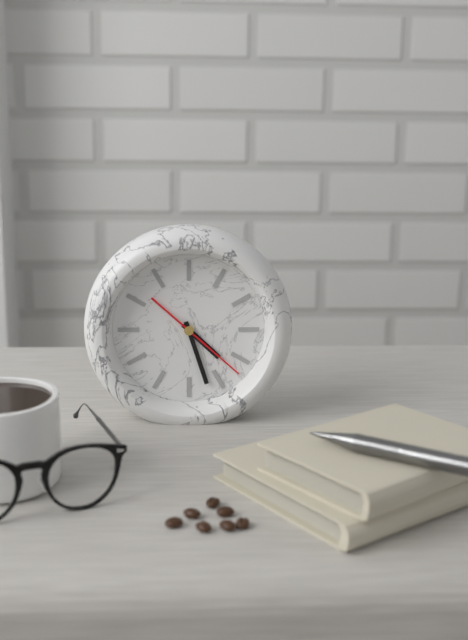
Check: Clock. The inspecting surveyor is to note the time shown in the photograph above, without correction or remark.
4:27:22
